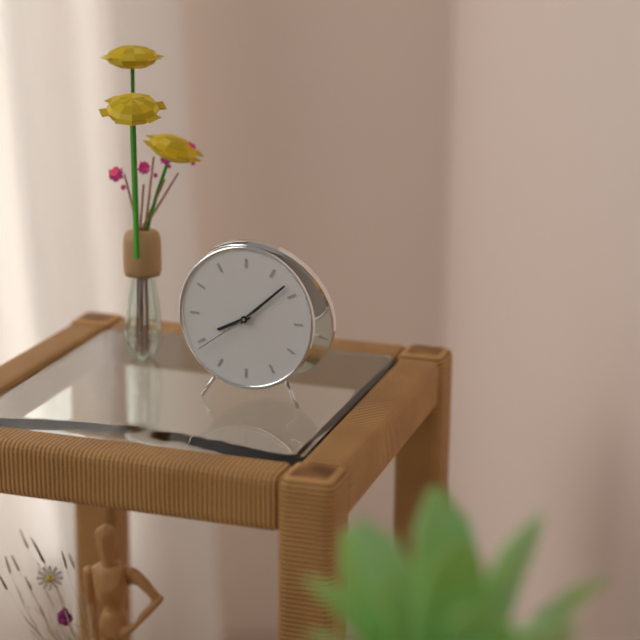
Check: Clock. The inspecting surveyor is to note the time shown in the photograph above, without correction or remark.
8:08:39
